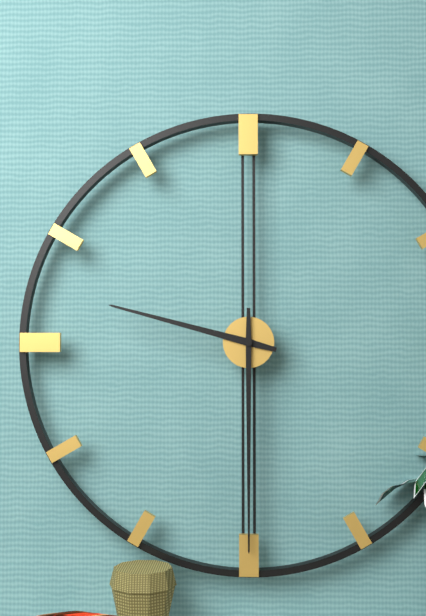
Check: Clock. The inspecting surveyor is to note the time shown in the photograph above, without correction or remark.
9:30
